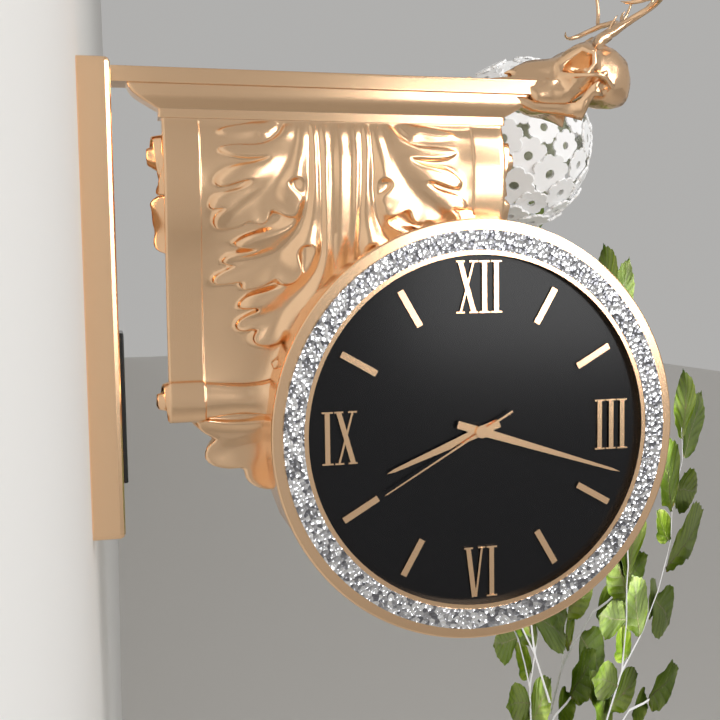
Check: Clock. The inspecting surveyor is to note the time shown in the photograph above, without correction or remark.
8:18:40
